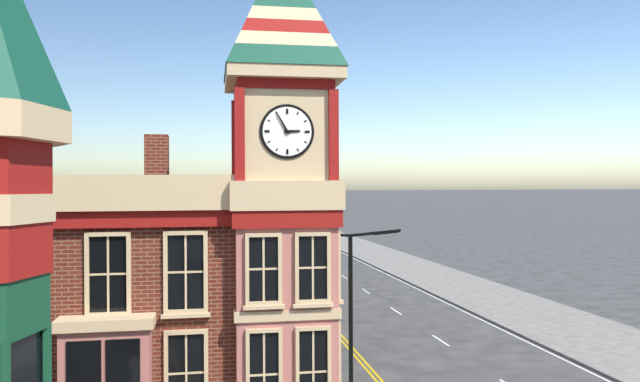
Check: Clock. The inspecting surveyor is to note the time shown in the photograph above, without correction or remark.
2:55
